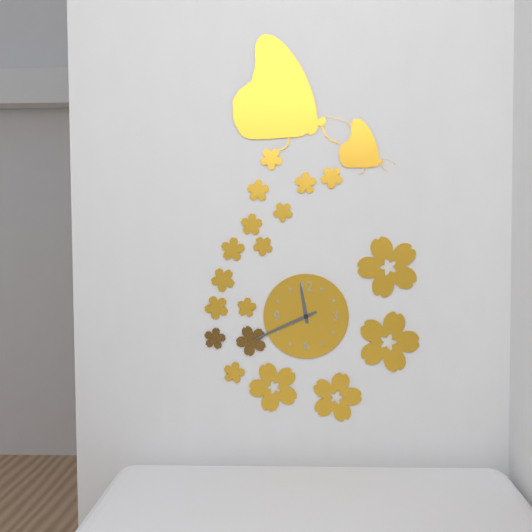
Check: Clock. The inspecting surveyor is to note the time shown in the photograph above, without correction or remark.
11:41
